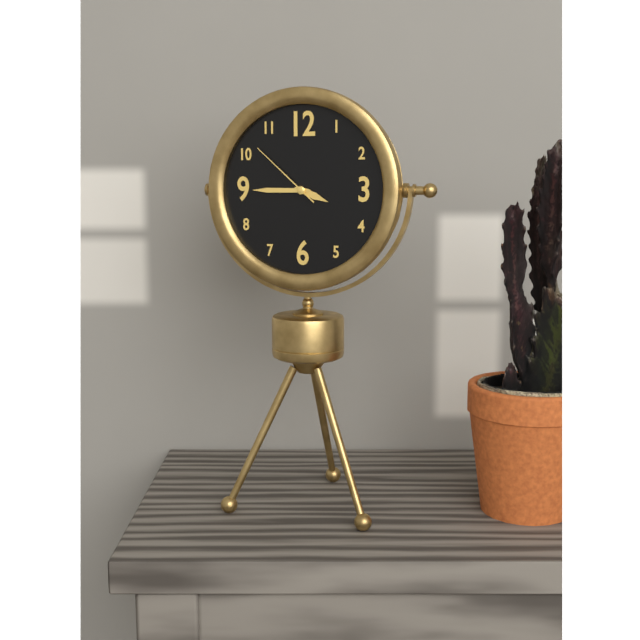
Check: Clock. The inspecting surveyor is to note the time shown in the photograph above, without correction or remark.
3:45:52
